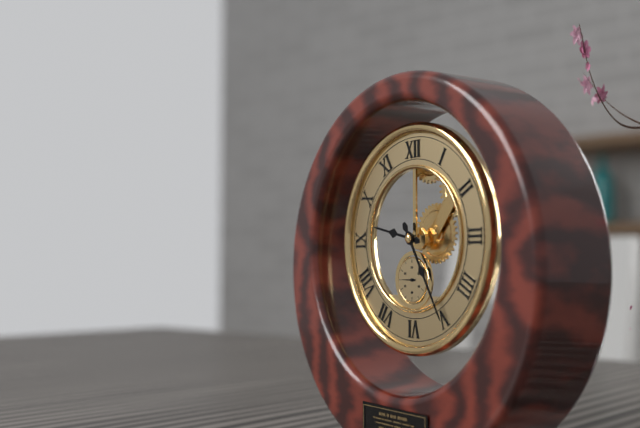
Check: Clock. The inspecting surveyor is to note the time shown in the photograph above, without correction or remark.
9:25
